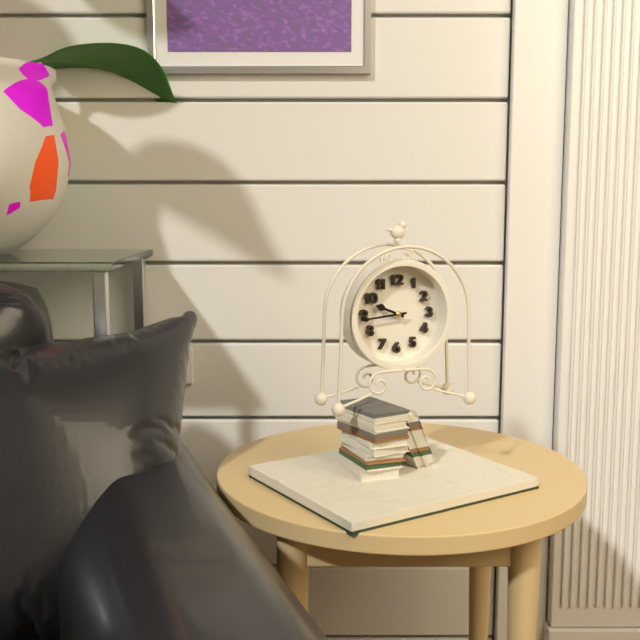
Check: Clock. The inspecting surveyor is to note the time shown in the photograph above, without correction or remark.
9:44
